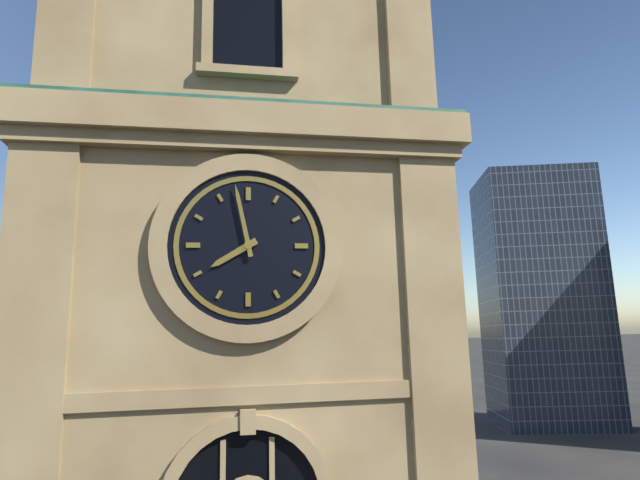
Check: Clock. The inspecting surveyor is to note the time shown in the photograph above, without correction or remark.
7:58
